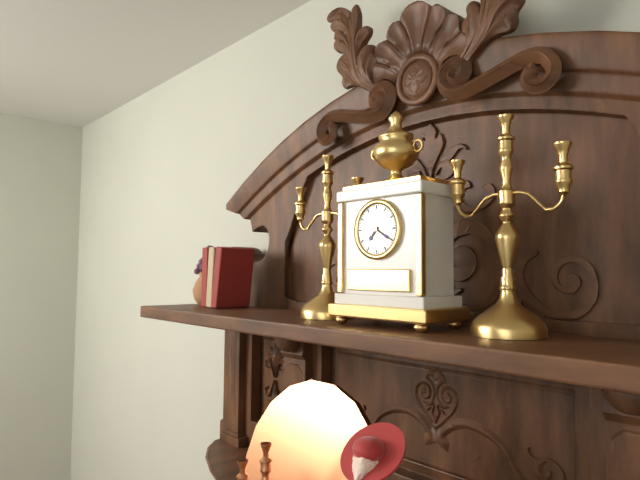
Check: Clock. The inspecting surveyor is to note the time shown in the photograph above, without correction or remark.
7:20
